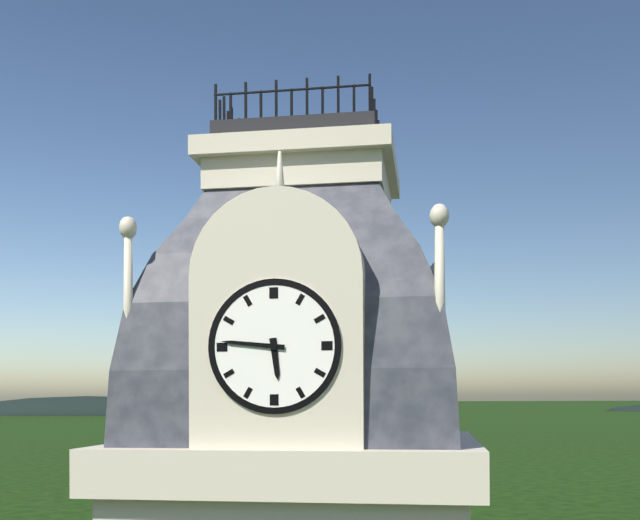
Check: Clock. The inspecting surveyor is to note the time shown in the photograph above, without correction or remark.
5:46
